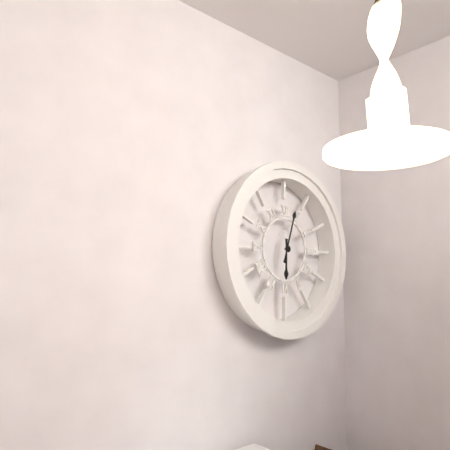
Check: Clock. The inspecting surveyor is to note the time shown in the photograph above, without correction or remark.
6:03
